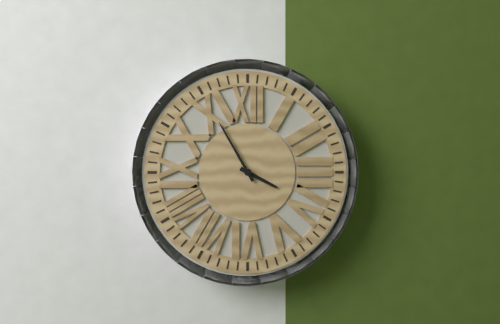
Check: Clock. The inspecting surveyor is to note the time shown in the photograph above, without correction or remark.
3:55
